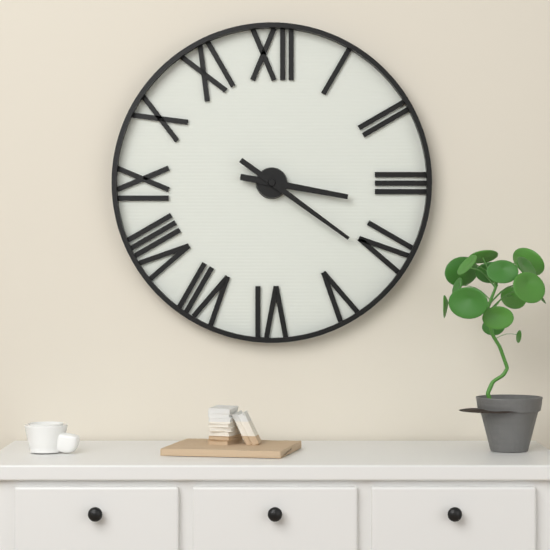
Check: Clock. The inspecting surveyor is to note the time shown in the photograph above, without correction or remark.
3:21
